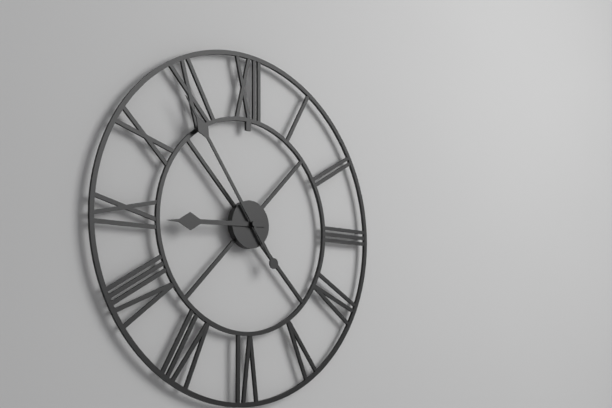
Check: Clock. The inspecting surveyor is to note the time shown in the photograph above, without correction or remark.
8:54
